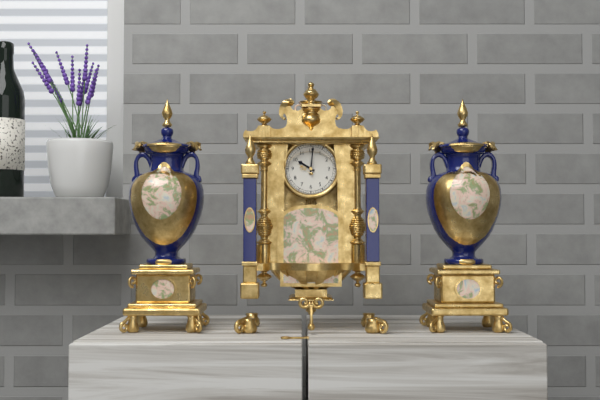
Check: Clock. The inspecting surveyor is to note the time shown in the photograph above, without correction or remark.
10:01
